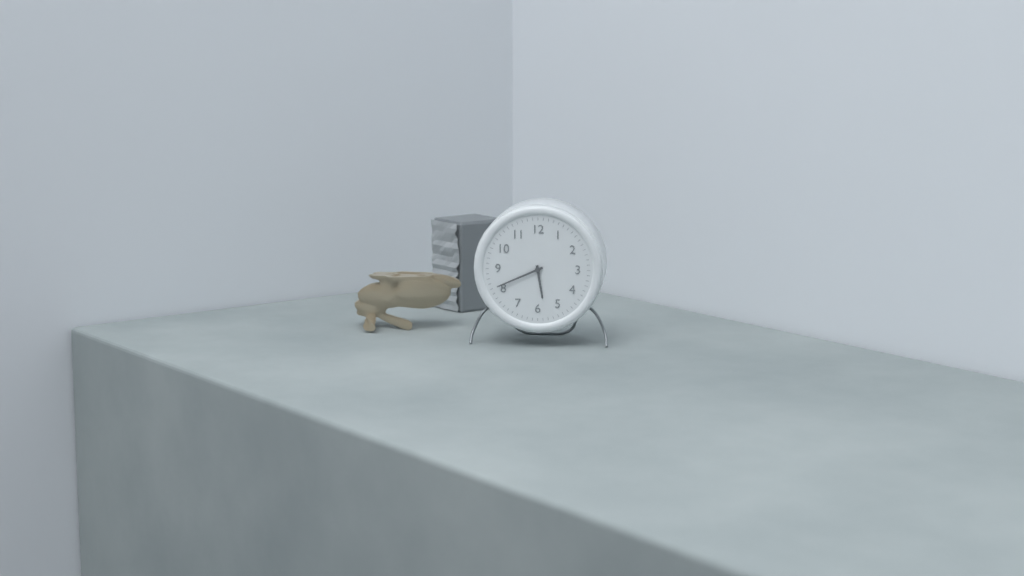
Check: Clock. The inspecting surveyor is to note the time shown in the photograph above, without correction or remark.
5:41
